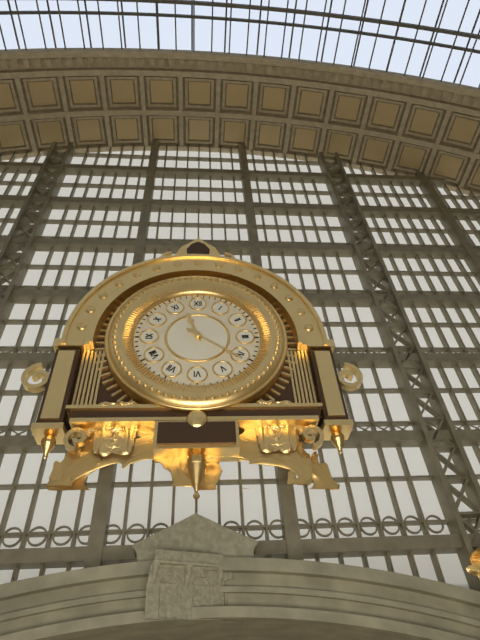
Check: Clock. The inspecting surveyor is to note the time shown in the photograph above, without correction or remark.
11:21
